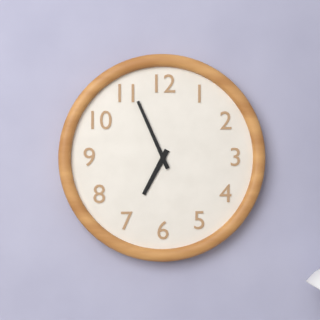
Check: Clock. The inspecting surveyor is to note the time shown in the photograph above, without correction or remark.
6:56
